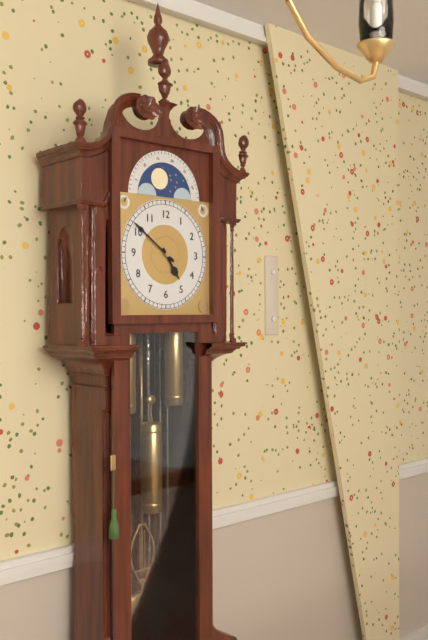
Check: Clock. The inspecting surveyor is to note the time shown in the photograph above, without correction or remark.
4:51
